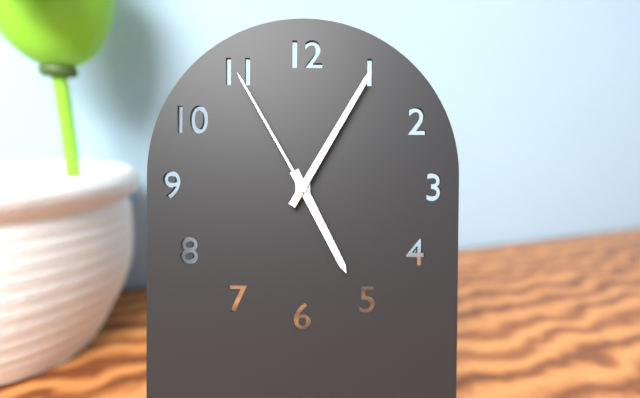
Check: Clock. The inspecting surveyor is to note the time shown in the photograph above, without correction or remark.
5:05:55
